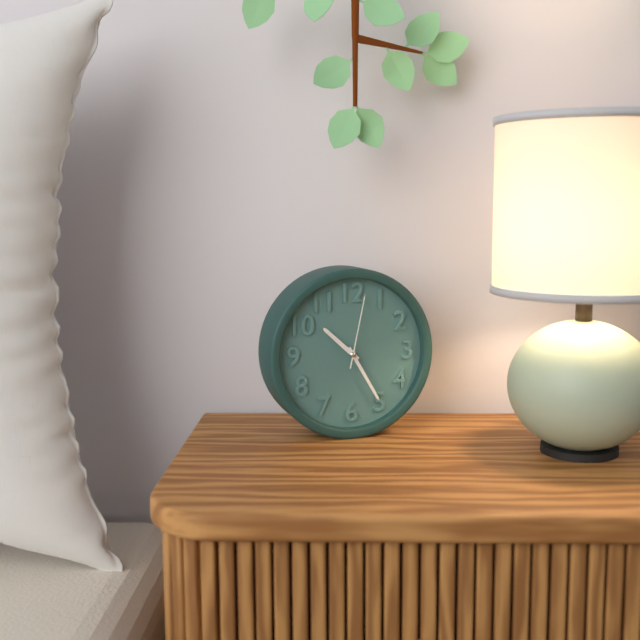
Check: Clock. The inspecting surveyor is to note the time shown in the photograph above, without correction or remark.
10:25:02
